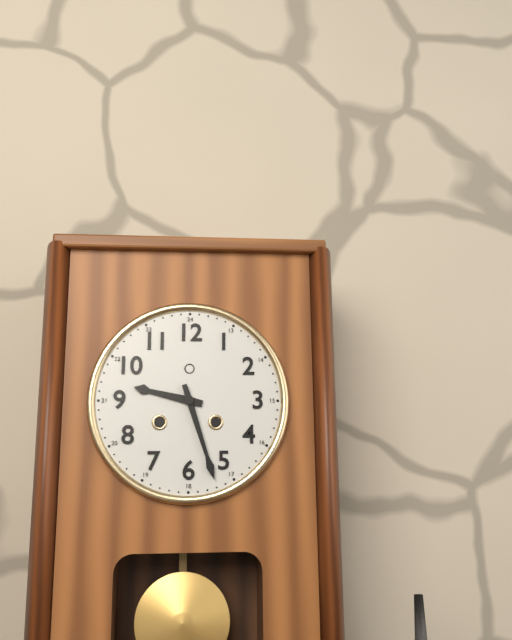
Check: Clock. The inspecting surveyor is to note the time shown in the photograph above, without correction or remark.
9:27
